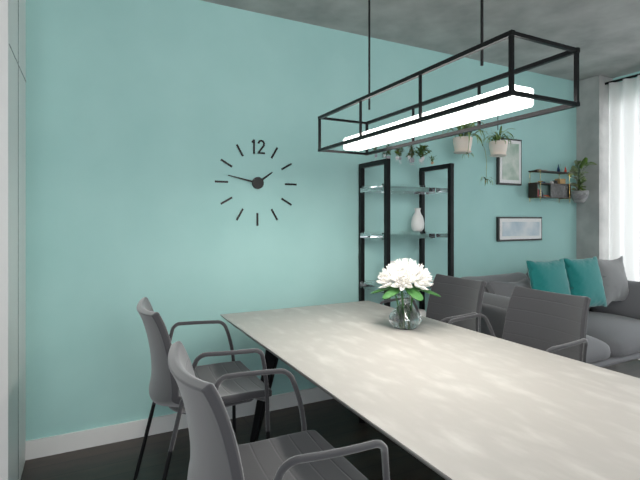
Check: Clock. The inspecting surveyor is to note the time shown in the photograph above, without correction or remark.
1:47
